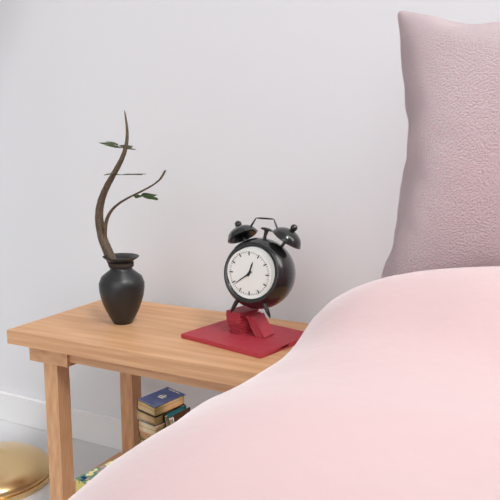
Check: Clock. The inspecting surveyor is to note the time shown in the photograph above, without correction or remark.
12:39
